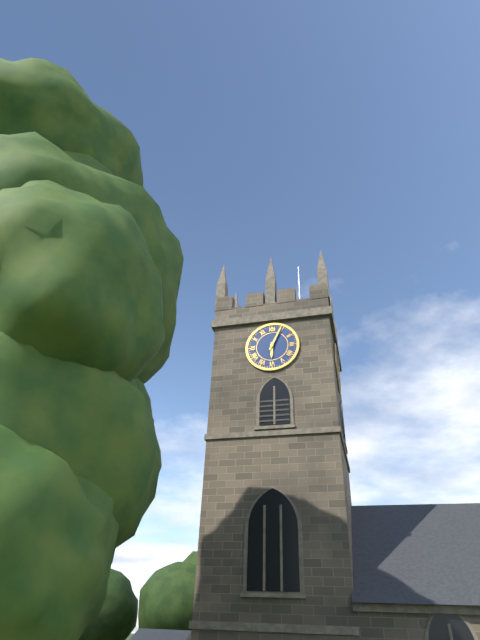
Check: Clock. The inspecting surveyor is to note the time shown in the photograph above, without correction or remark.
6:04
